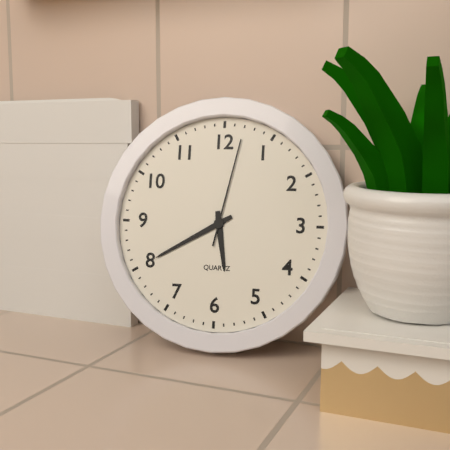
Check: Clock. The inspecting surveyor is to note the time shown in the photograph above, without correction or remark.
5:40:02
